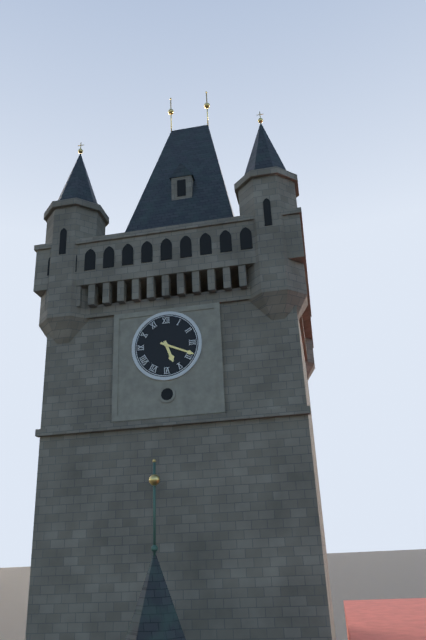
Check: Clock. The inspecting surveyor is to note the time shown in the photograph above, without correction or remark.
5:19
